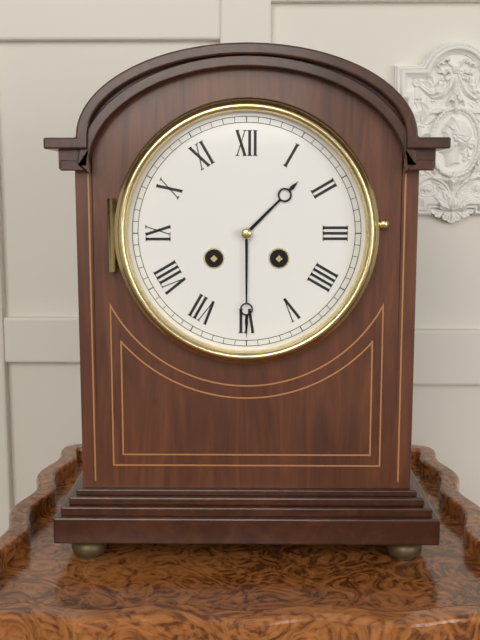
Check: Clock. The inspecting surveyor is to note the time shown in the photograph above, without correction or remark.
1:30
